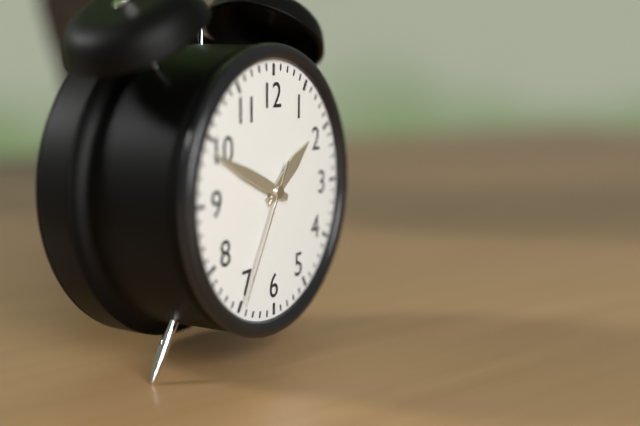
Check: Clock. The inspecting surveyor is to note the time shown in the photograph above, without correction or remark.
1:49:35
